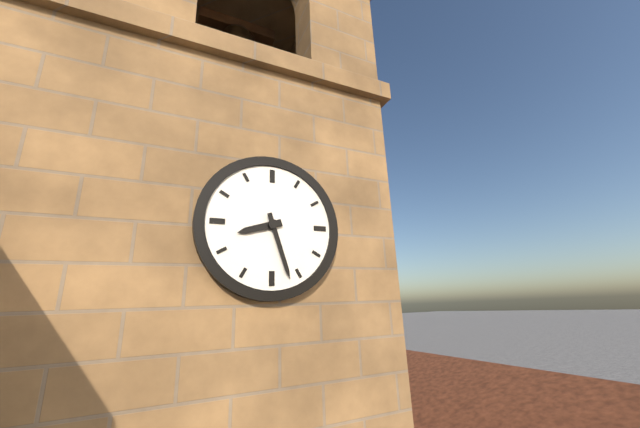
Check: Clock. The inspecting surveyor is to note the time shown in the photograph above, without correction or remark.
8:27
